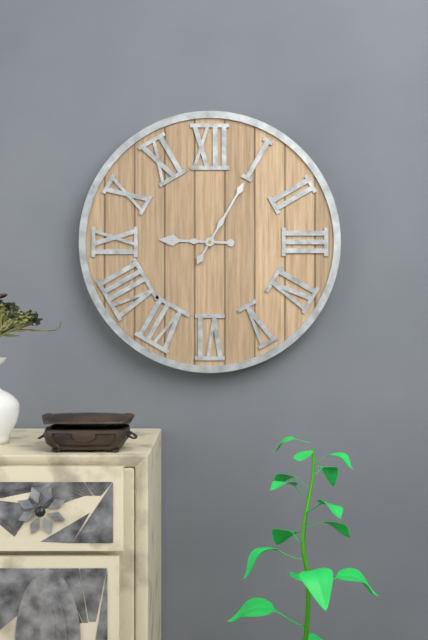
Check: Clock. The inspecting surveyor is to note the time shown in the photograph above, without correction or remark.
9:05
